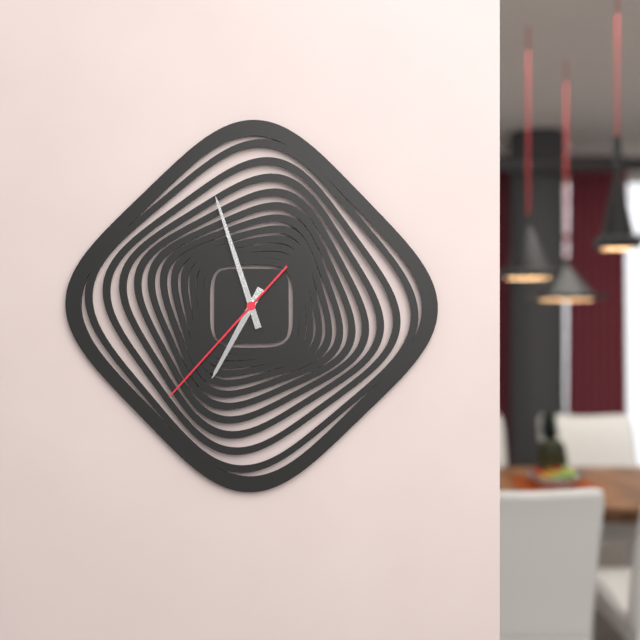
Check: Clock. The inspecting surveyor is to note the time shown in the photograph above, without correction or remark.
6:57:37
